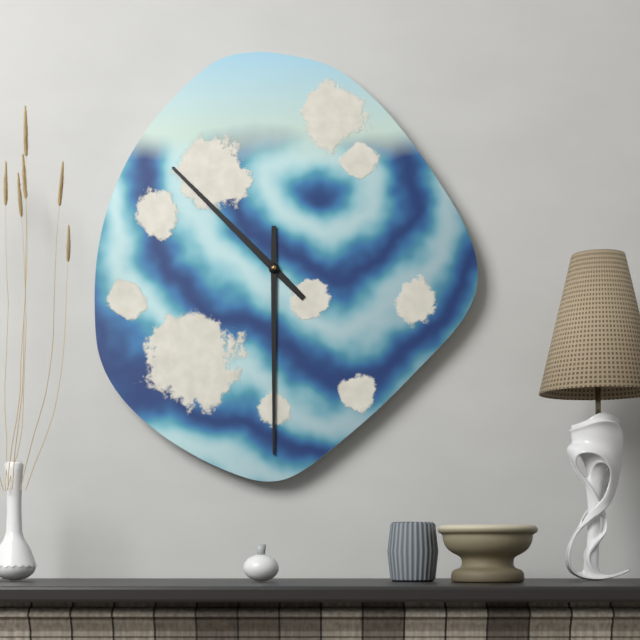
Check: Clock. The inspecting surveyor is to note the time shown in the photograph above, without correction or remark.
10:30
